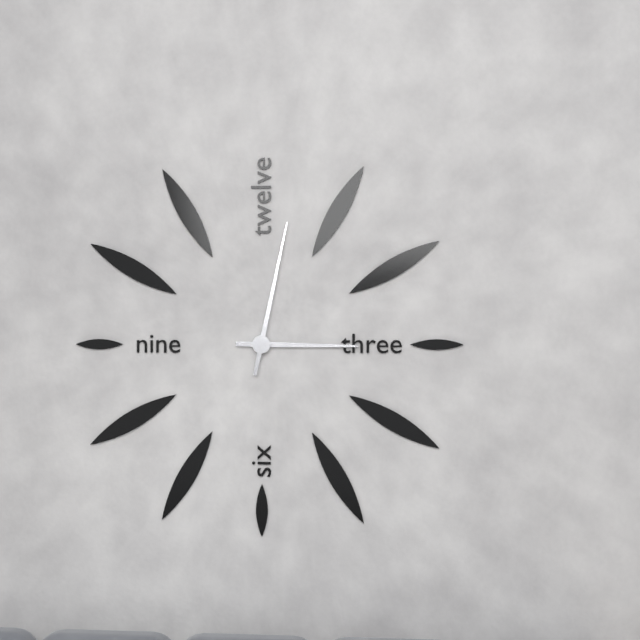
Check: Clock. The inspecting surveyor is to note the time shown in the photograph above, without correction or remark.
3:02
